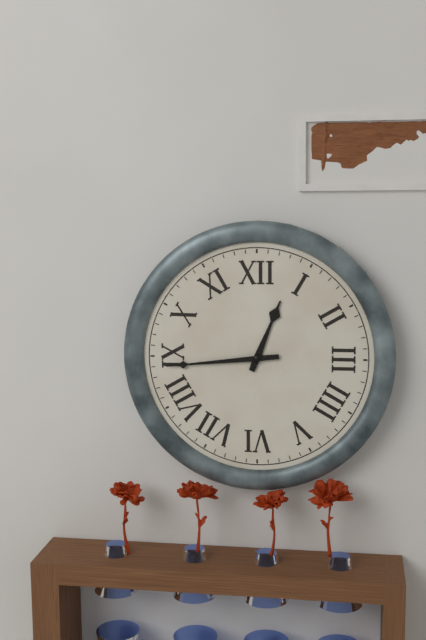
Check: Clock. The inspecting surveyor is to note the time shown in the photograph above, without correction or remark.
12:44
